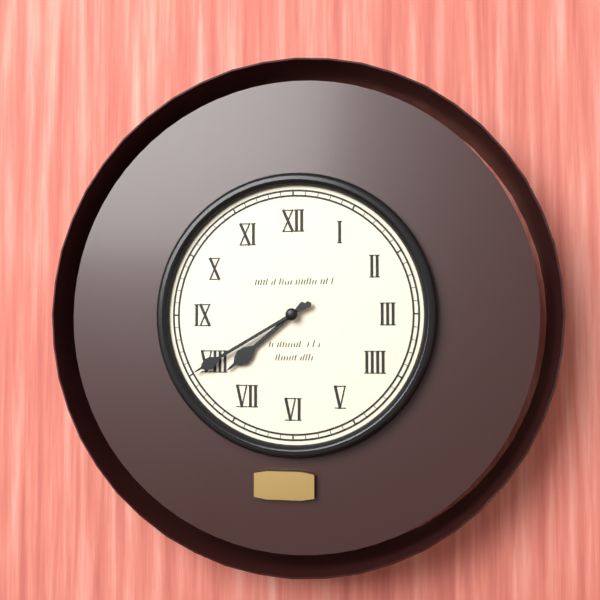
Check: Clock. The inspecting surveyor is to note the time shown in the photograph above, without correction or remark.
7:40
